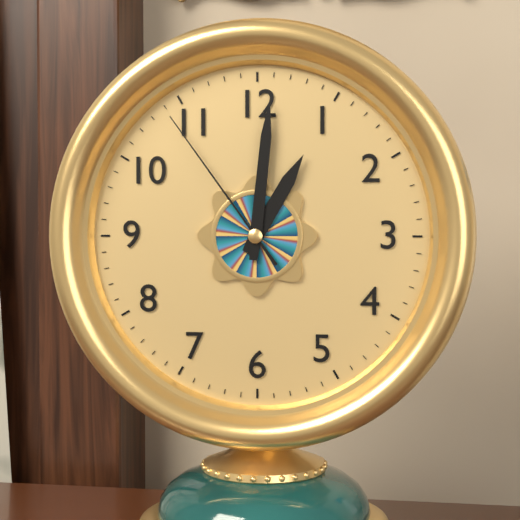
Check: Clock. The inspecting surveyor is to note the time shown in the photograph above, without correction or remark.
1:01:54
